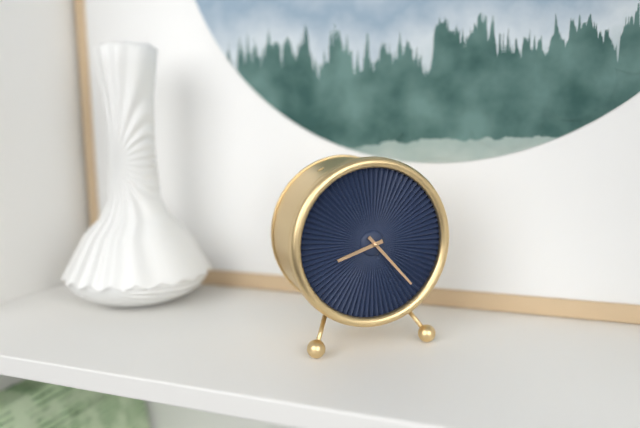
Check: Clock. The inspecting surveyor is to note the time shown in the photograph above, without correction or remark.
8:23
